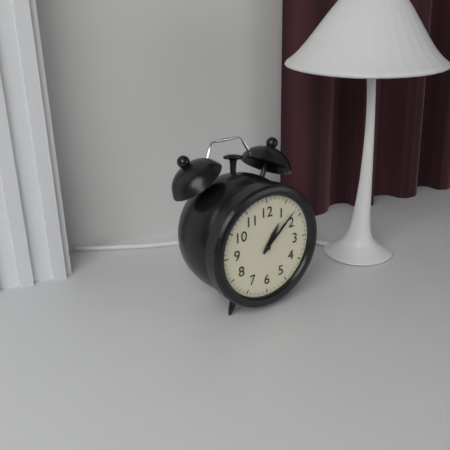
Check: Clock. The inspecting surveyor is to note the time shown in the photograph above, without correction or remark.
1:08
